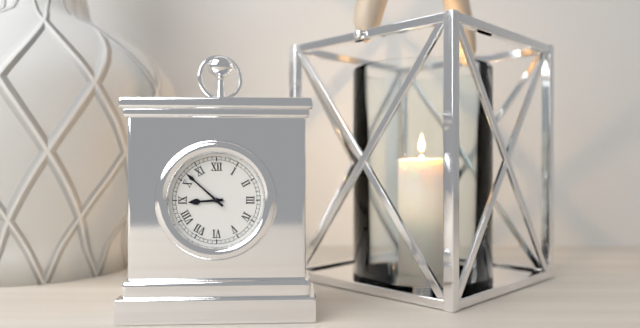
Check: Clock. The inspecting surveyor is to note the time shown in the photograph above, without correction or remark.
8:52
